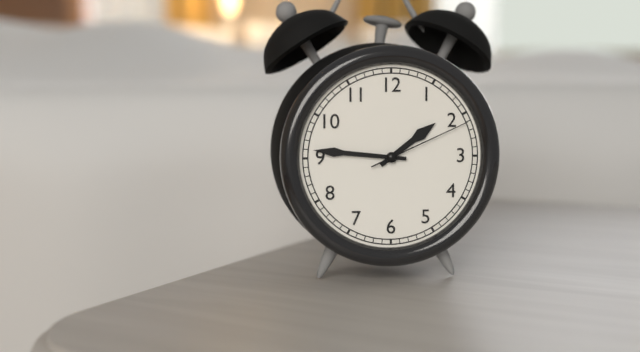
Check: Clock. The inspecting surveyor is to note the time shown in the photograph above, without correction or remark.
1:46:11
